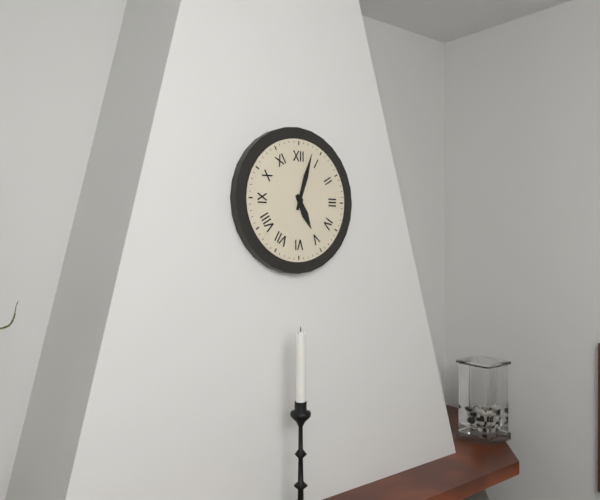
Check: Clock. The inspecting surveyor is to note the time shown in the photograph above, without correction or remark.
5:03
